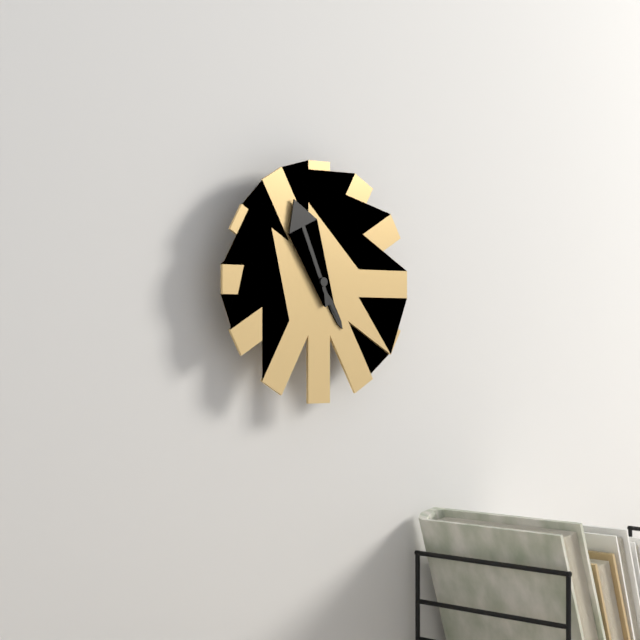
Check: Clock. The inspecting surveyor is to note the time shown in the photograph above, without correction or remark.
4:56
